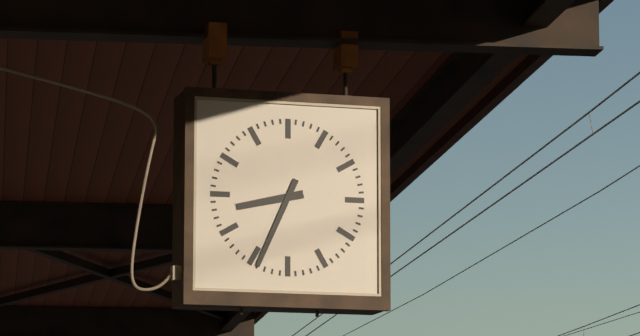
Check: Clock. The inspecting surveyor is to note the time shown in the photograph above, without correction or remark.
8:34
